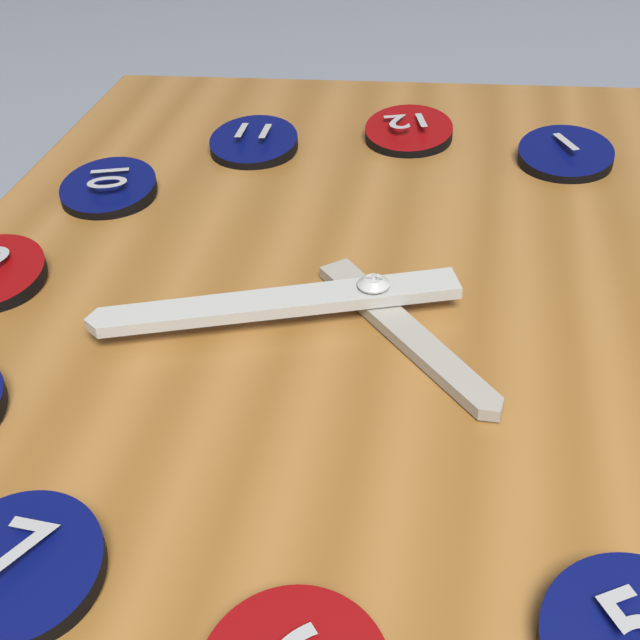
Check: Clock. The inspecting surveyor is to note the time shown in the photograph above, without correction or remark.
4:42
